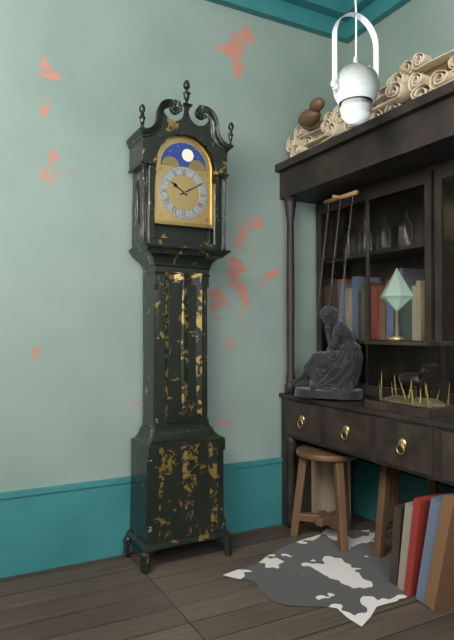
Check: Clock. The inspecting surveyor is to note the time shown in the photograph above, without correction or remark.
10:10
